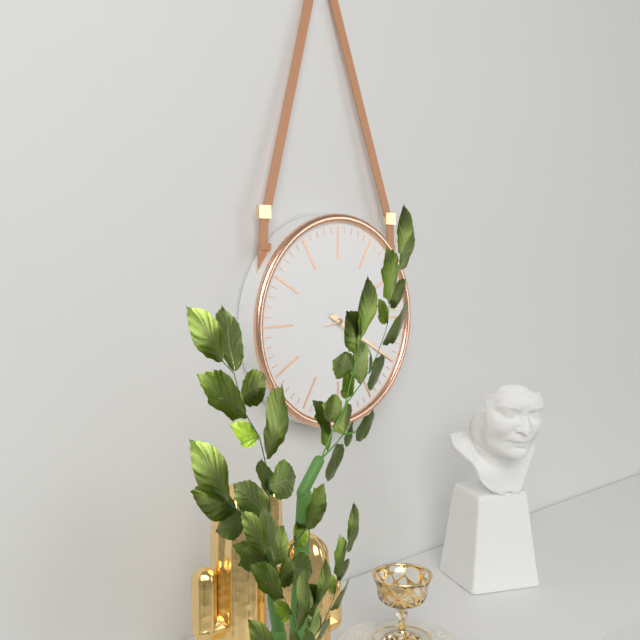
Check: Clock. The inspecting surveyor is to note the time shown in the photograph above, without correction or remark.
4:20:14
